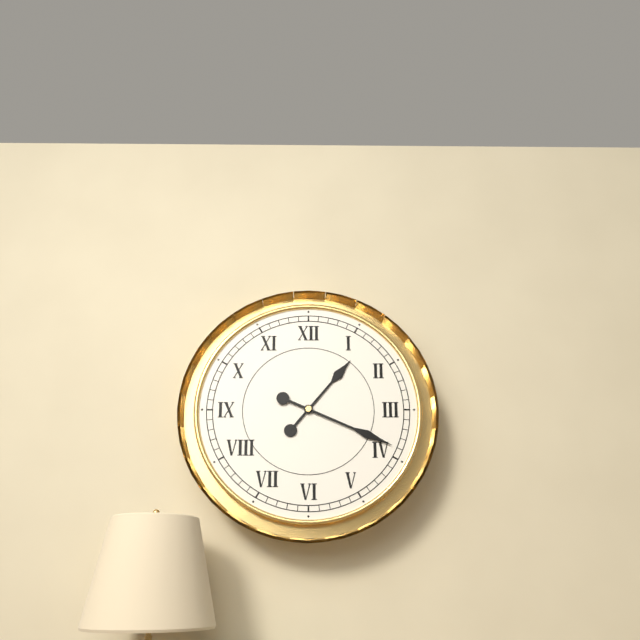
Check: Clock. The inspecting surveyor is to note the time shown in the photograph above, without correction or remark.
1:19
